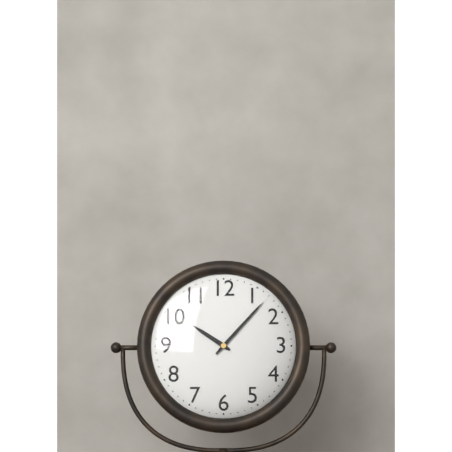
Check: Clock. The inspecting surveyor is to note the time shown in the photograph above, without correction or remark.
10:07
